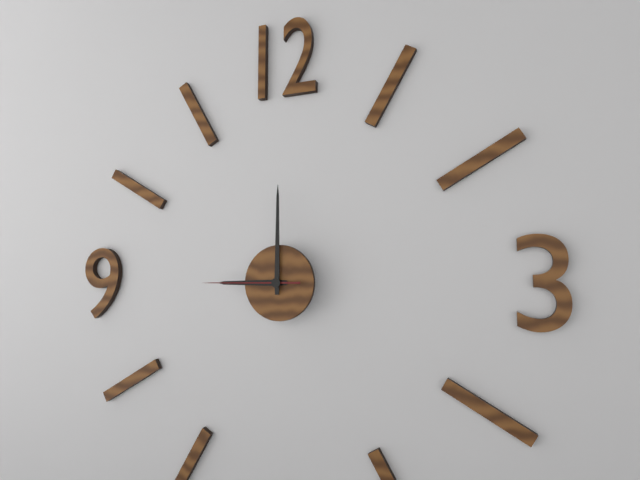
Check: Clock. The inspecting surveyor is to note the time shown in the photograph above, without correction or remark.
9:00:45
